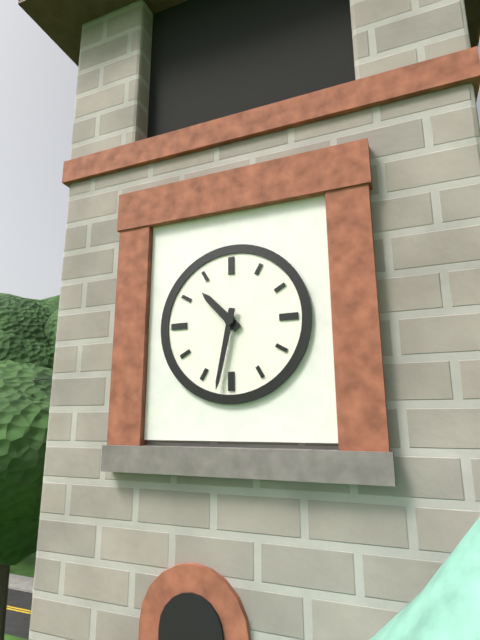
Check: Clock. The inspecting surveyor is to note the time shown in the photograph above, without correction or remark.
10:32
